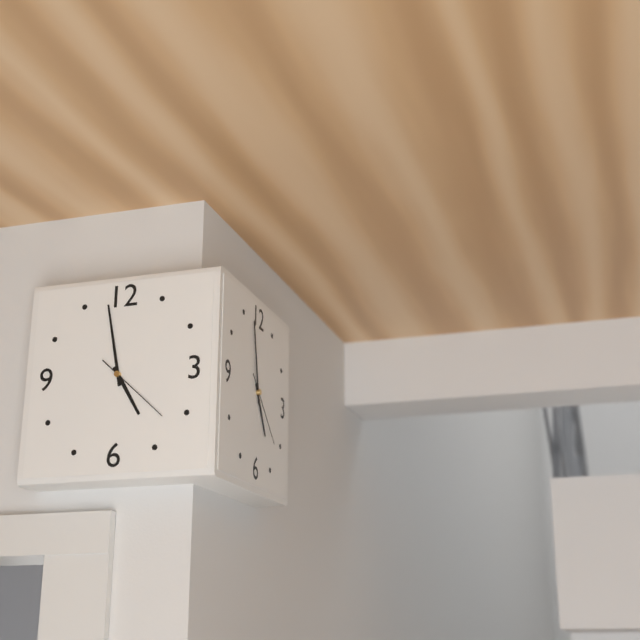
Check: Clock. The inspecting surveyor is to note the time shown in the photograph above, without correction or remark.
4:58:22
